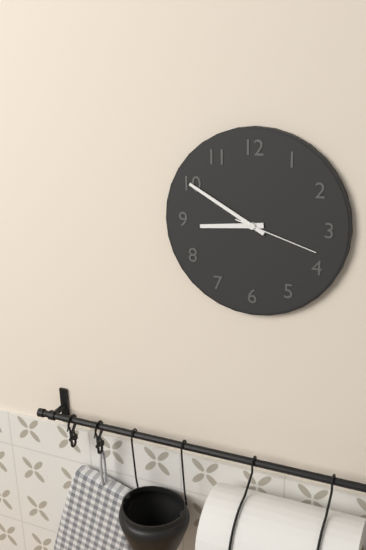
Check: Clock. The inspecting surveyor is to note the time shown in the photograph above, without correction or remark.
8:50:18
